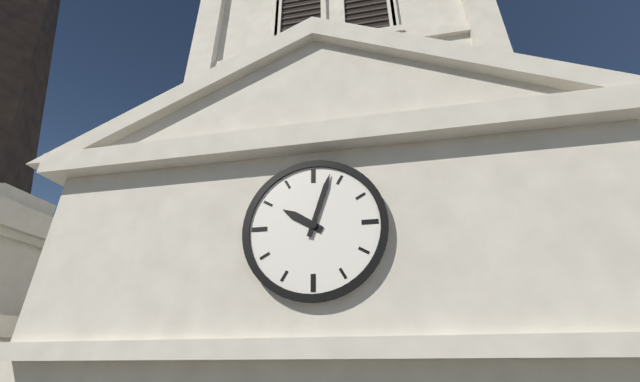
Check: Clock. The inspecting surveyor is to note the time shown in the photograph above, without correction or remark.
10:03
